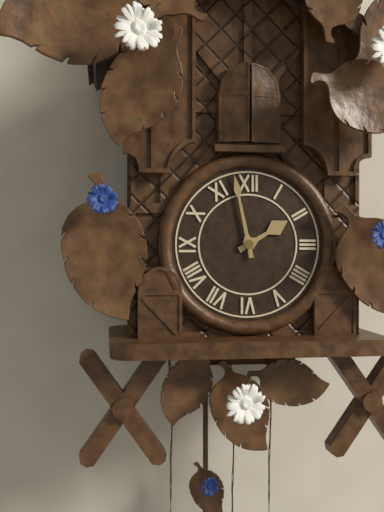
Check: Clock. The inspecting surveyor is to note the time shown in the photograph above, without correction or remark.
1:58
